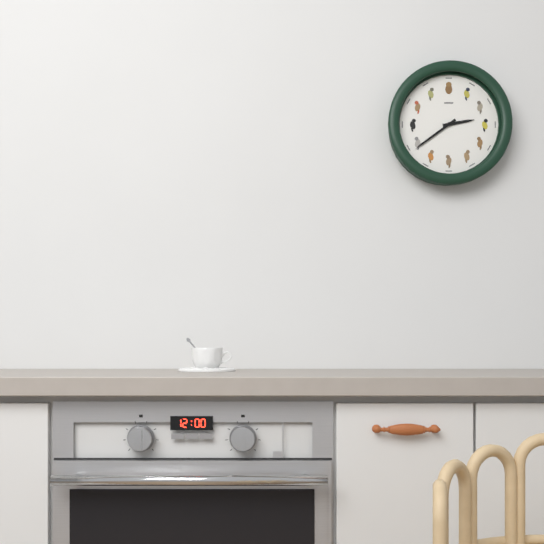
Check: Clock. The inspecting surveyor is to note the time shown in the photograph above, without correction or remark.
2:39
